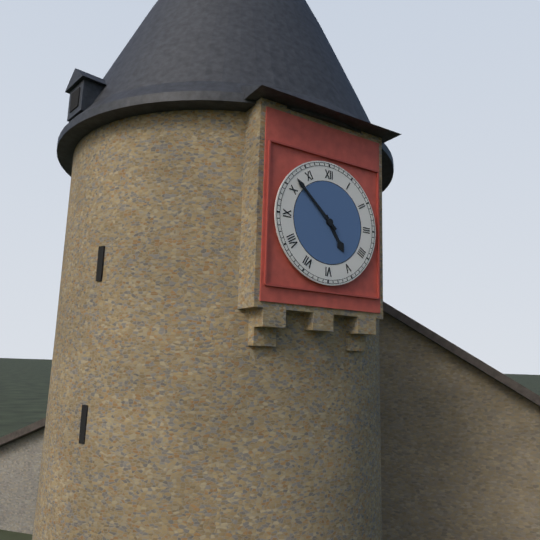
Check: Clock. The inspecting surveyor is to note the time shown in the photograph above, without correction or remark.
4:52
